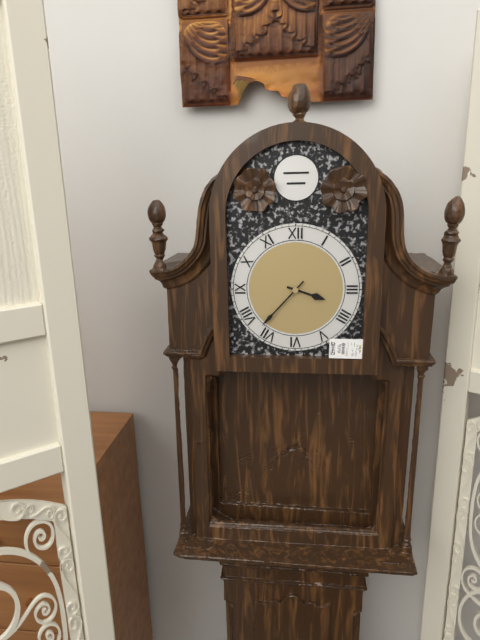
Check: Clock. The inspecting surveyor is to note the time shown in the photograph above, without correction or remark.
3:37
